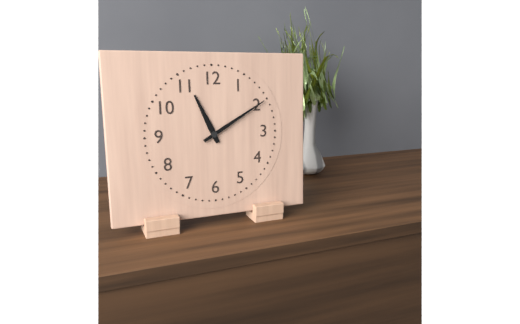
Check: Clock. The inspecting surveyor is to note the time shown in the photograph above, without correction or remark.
11:10
